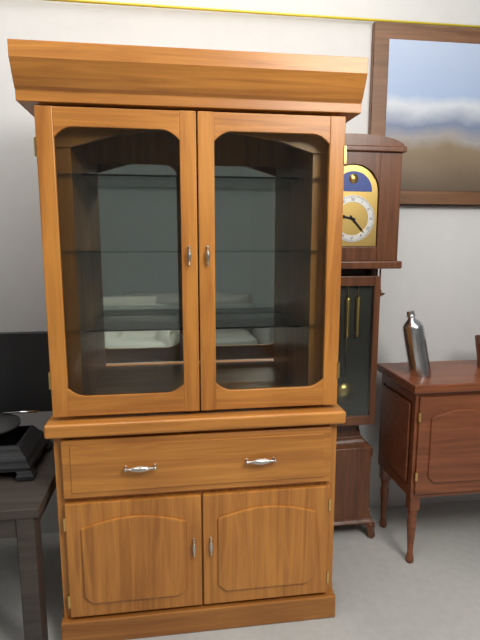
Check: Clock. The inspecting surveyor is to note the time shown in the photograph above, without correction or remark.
9:23
